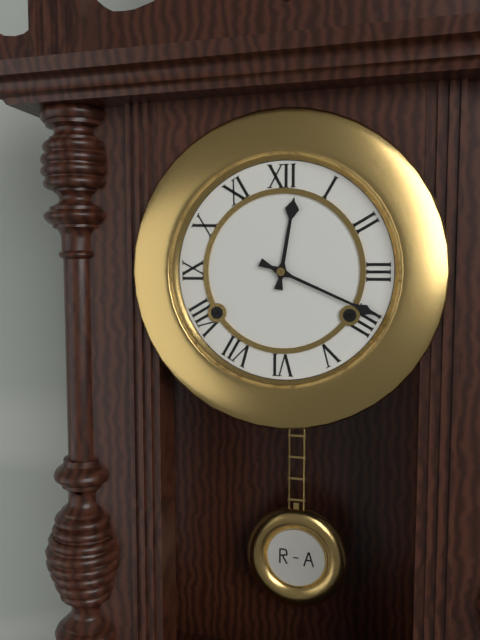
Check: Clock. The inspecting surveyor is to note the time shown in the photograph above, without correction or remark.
12:19
